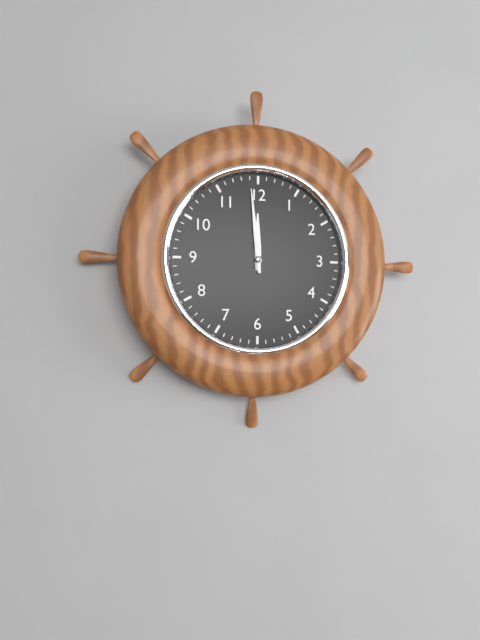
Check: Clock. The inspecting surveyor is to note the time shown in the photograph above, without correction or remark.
11:59
